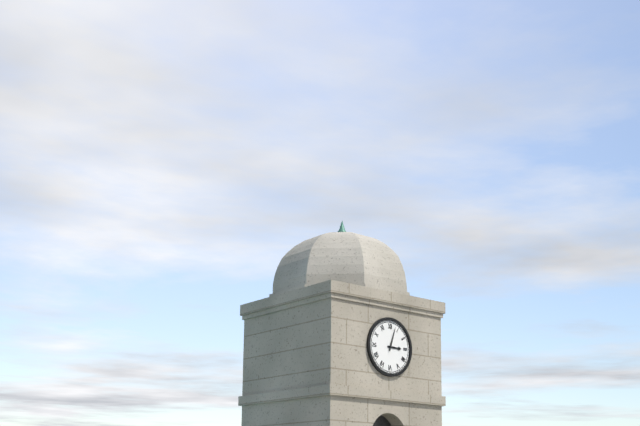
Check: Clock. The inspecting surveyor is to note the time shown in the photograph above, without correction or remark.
3:03
